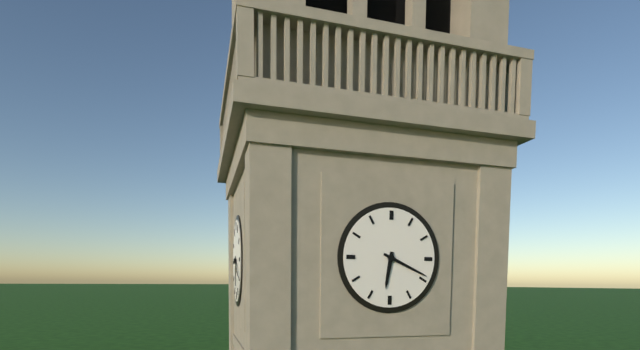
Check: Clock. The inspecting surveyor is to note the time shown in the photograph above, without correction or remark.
6:19
